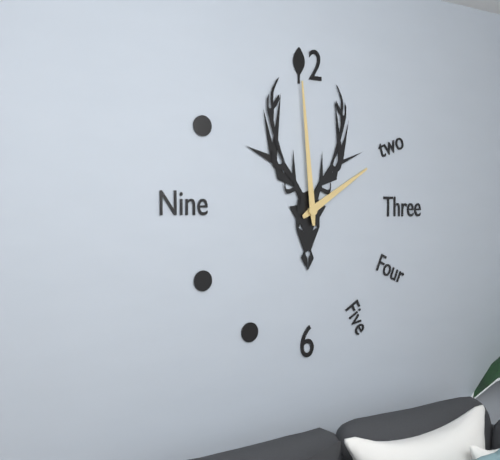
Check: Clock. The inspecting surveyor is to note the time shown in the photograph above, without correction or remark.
1:59
